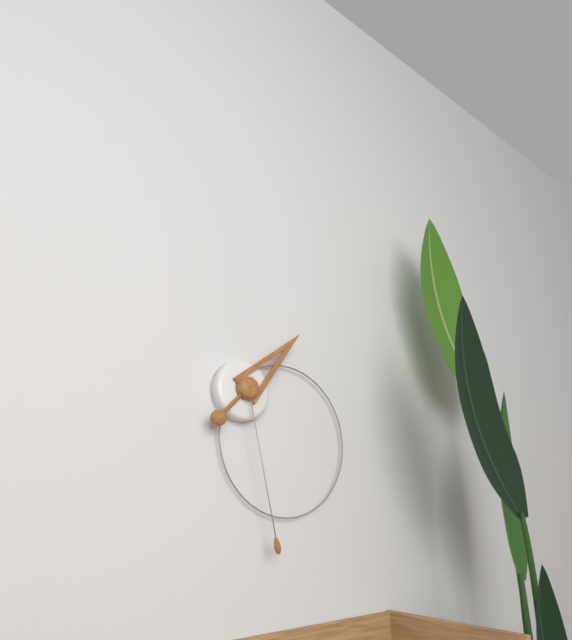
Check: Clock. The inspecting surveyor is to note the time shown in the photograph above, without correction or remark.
1:28
